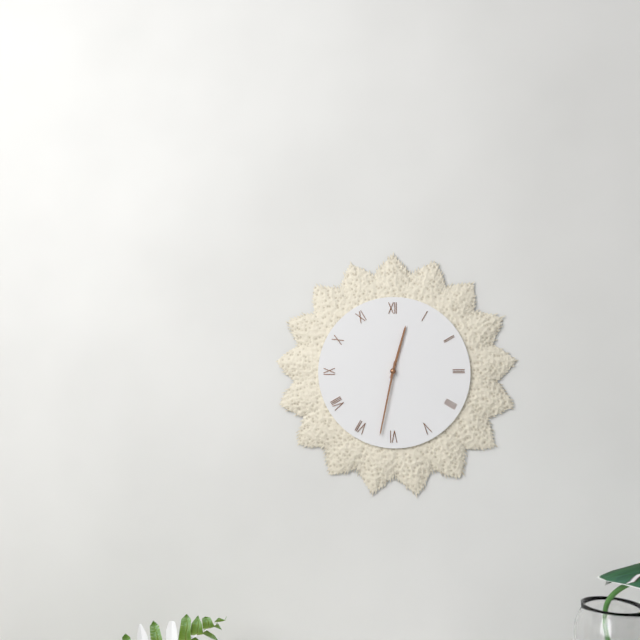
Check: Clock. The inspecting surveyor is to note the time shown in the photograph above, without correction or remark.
12:32
